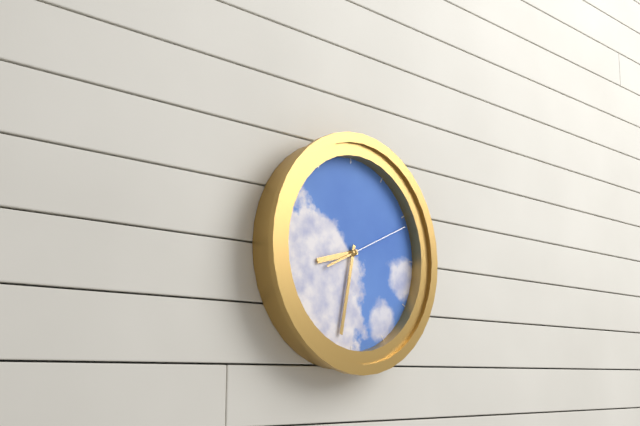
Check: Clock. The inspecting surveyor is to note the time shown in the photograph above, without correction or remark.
8:32:11
